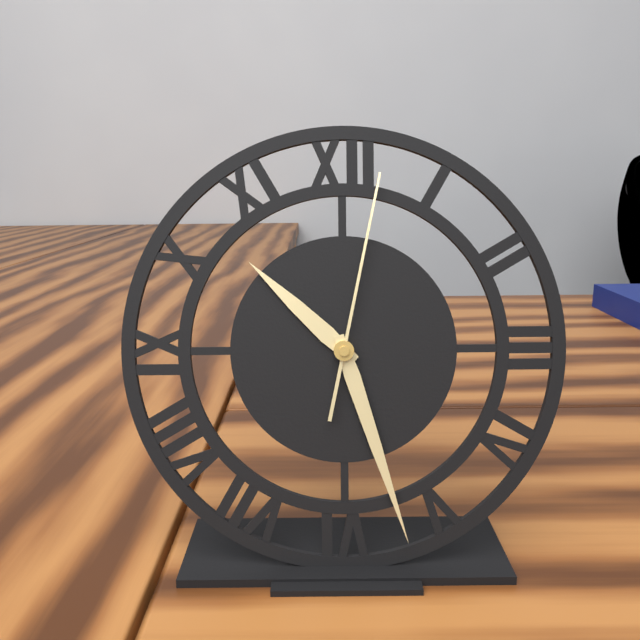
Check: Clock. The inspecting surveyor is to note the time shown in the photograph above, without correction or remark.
10:27:02
